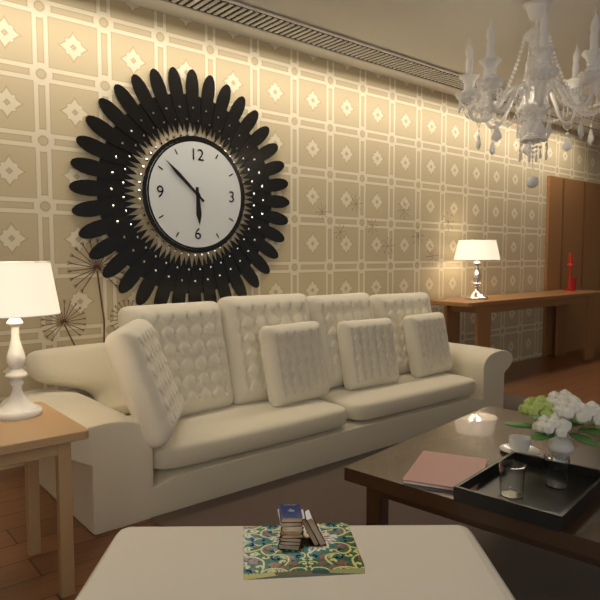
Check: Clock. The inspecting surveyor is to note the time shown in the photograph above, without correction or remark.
5:52
